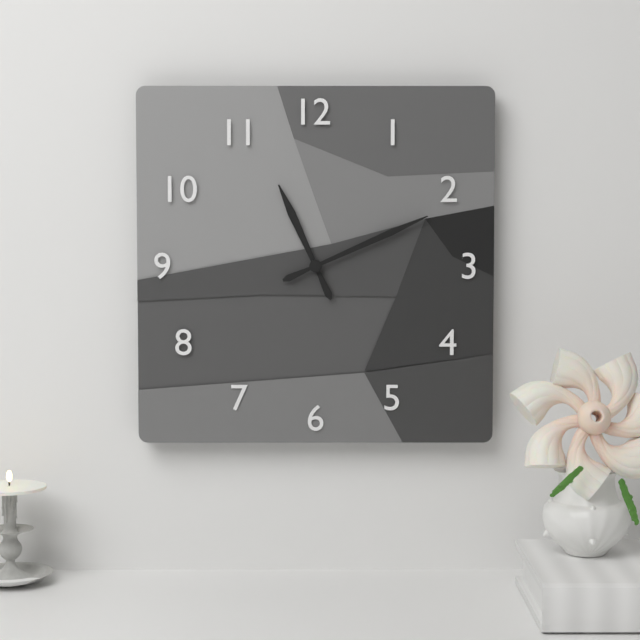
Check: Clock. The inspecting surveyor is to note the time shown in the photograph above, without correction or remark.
11:11
